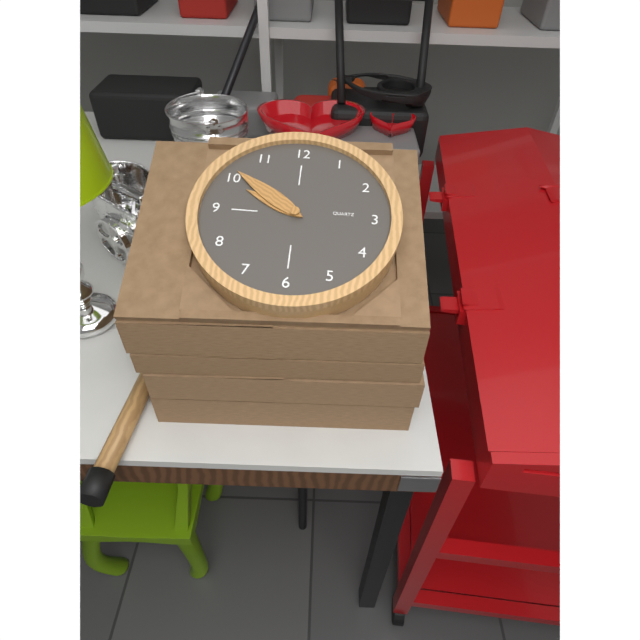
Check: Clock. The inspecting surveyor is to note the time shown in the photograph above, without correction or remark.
9:51
